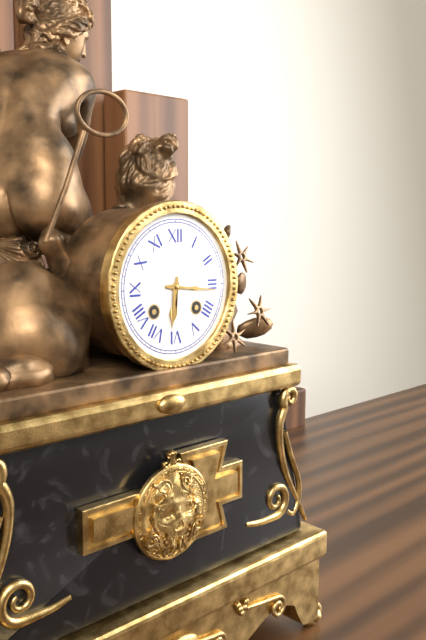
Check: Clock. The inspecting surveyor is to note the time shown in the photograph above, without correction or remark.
6:16
